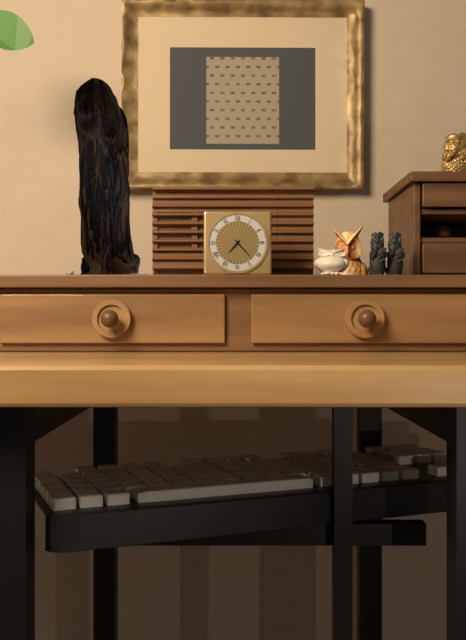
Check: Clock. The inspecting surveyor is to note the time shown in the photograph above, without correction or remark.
7:23
